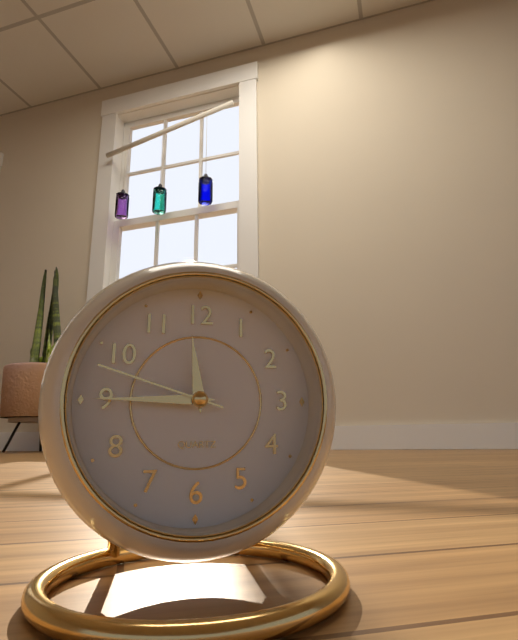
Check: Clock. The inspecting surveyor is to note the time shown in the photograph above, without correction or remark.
11:45:48
